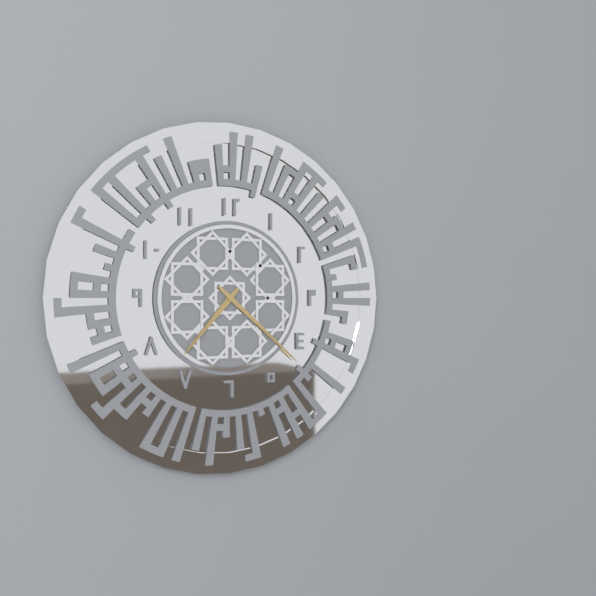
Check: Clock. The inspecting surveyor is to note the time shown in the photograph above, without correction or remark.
7:22
